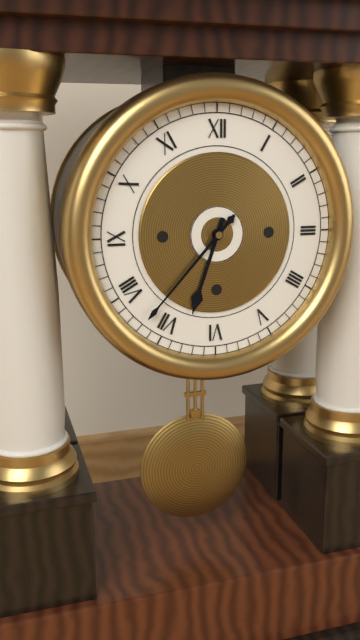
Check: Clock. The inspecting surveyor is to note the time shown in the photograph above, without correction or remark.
6:37
